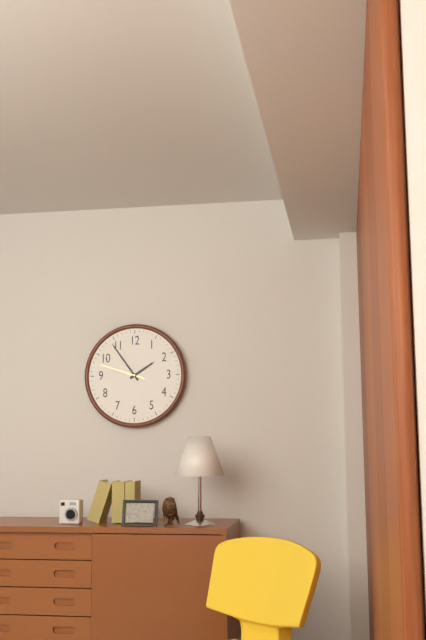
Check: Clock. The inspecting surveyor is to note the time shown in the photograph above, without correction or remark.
1:54
